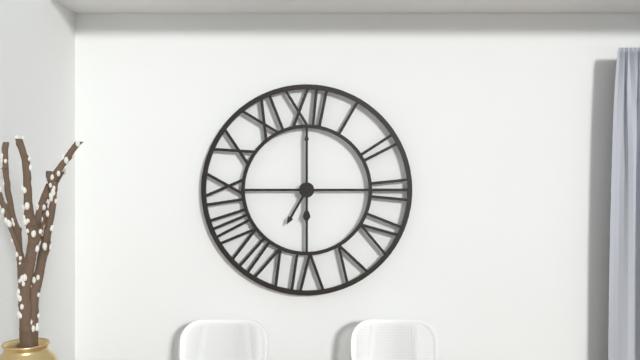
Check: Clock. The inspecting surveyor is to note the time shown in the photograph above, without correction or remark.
7:00
